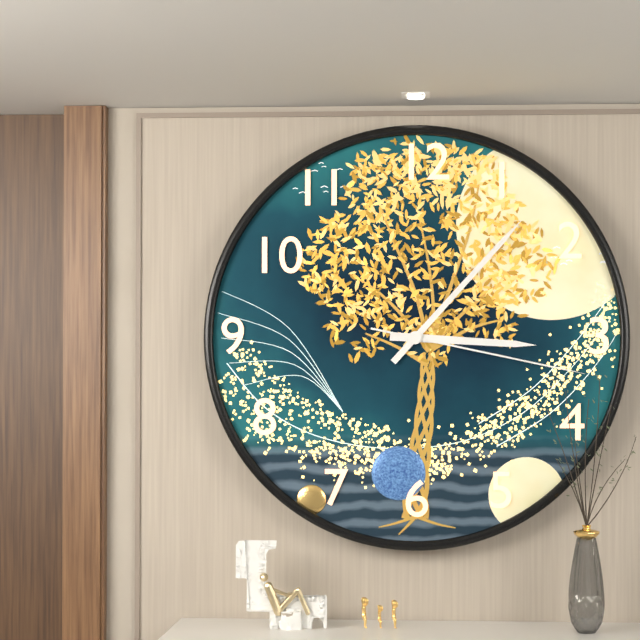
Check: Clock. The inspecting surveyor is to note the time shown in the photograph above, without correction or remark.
3:07:17
